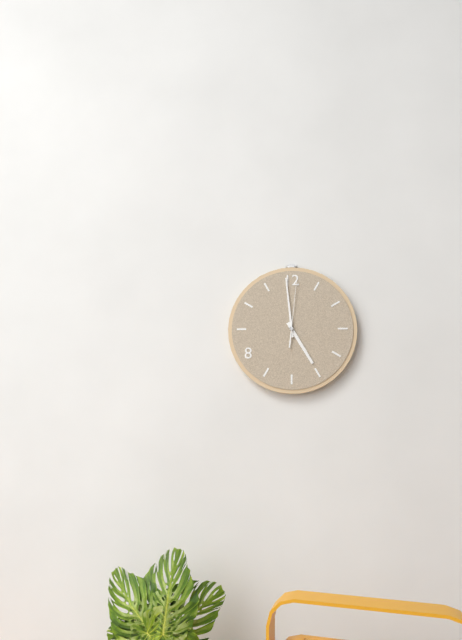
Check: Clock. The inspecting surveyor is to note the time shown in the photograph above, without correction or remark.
4:59:01
